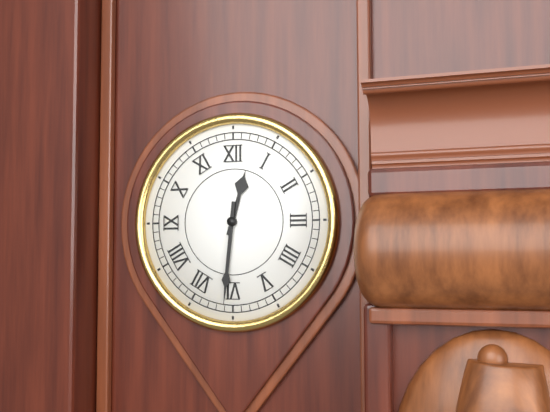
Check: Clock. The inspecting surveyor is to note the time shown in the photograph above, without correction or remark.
12:31
